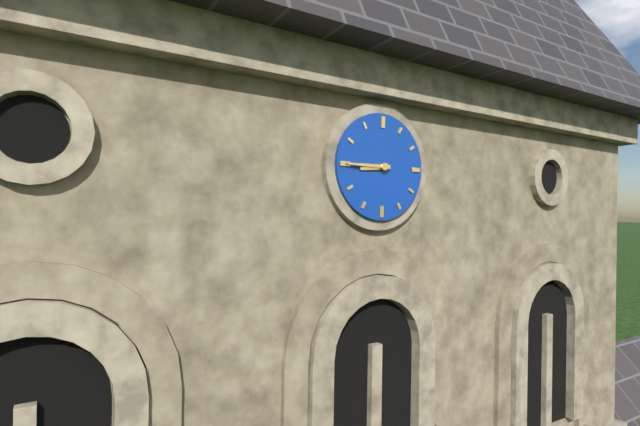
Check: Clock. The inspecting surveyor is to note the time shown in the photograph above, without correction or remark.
8:45
